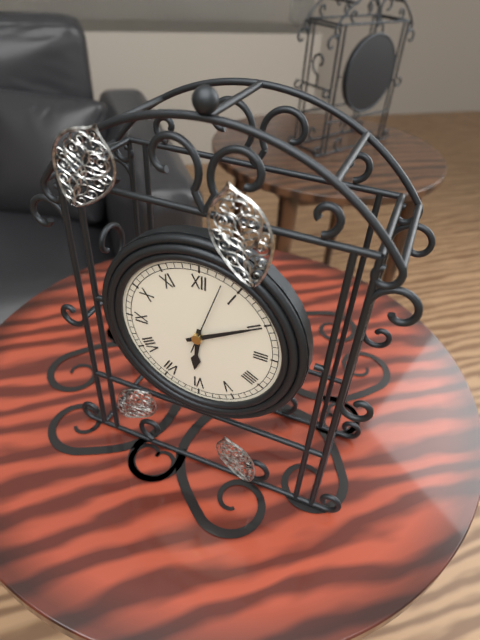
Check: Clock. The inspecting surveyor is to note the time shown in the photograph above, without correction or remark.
6:10:03
